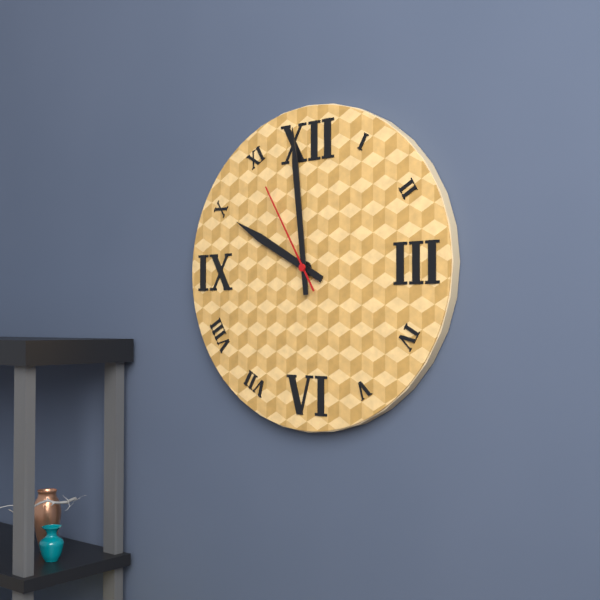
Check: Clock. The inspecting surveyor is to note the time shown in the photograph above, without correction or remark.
9:59:55
